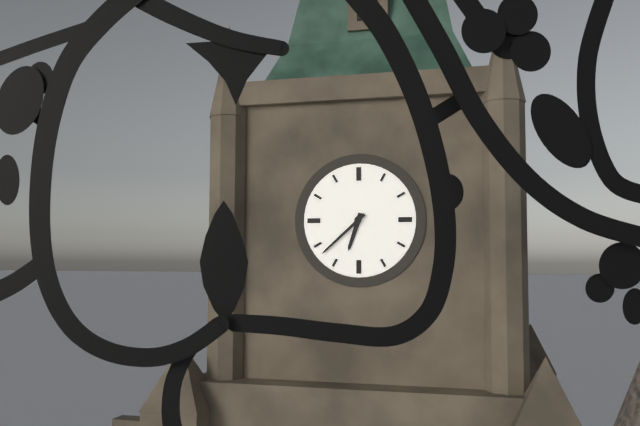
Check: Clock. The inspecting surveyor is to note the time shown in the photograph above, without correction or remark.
6:38
